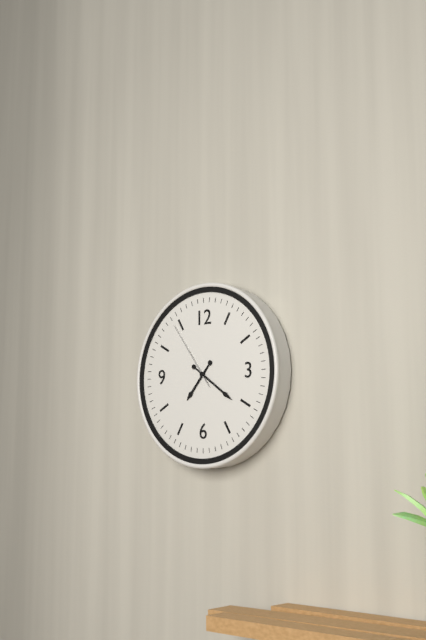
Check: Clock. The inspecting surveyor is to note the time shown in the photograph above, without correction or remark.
7:21:54
